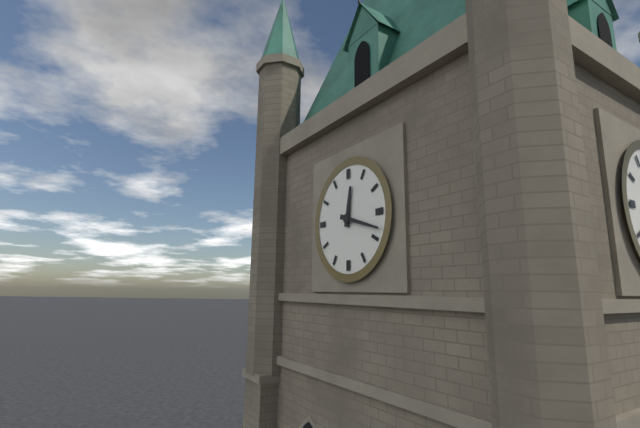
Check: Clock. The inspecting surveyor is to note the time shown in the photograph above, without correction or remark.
12:18
